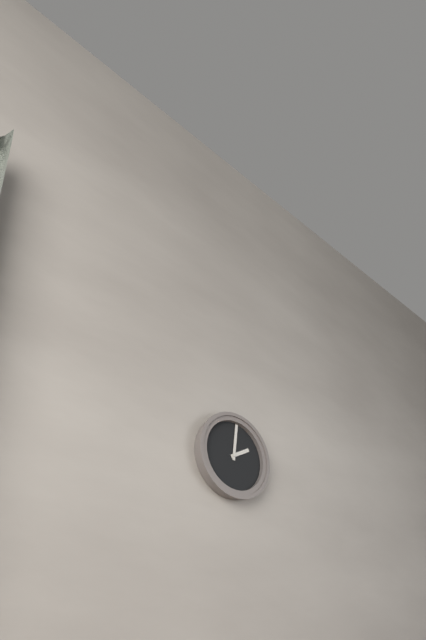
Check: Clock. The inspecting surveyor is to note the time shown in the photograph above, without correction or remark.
2:01
